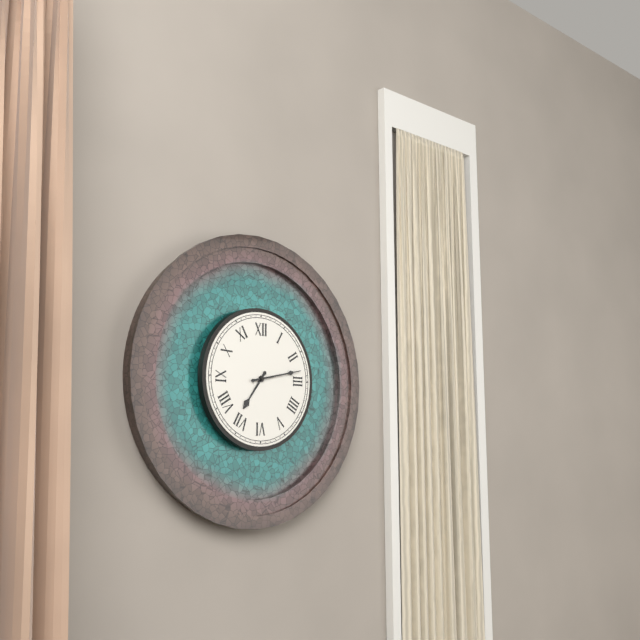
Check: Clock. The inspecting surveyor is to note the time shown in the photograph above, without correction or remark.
7:13
